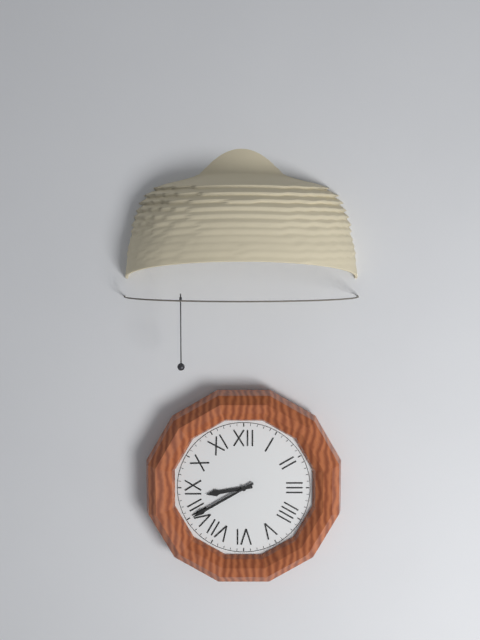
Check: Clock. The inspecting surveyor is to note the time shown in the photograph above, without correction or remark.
8:40
